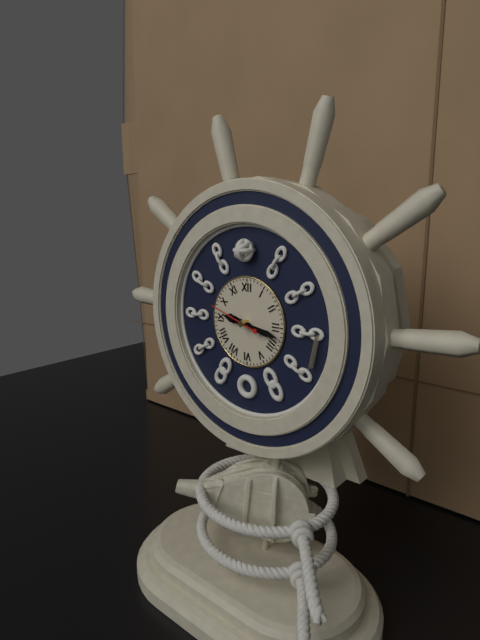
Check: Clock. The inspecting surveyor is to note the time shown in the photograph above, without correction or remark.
9:17:48
